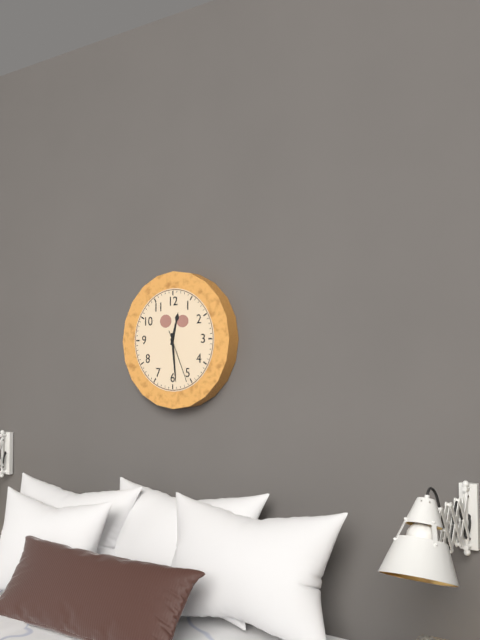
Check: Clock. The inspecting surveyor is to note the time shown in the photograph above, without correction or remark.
12:29:26
